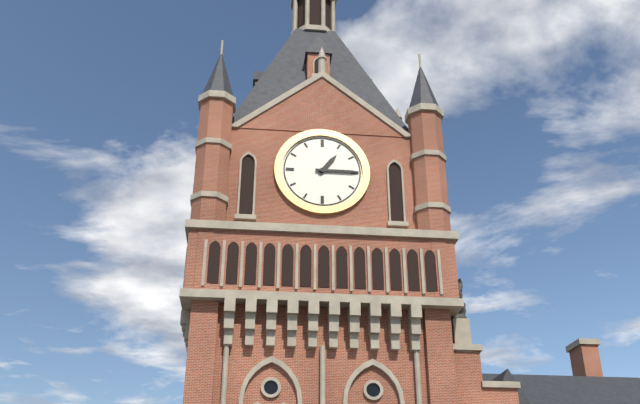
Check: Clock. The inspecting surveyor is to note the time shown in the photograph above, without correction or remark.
1:15
